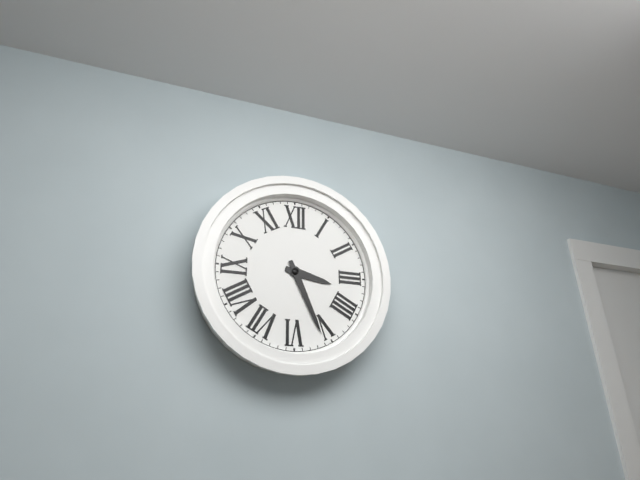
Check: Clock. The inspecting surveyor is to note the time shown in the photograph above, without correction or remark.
3:26
